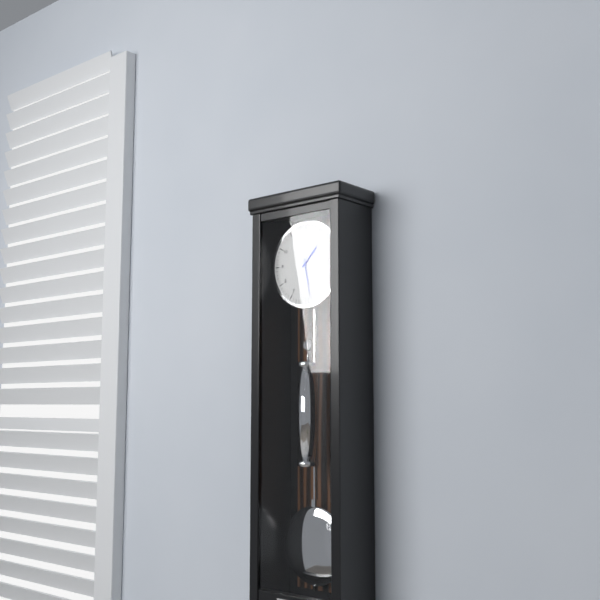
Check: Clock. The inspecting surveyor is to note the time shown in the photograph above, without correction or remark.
1:28
